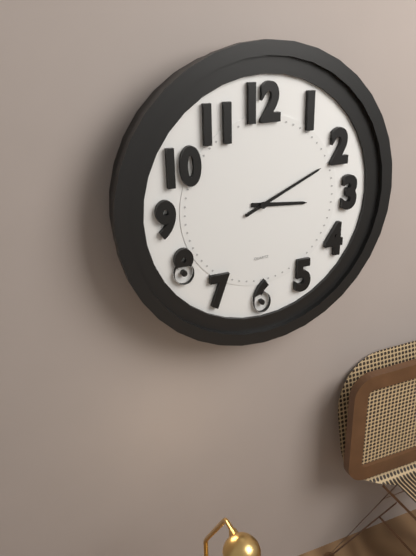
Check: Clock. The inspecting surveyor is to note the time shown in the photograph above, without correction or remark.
3:11
